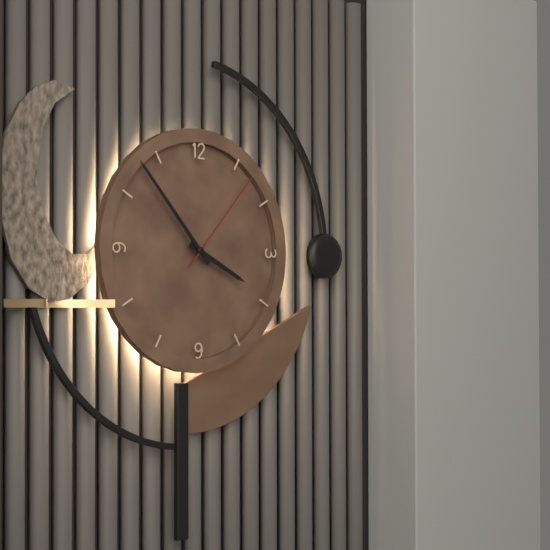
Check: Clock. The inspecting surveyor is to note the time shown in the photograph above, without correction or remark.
3:53:07
